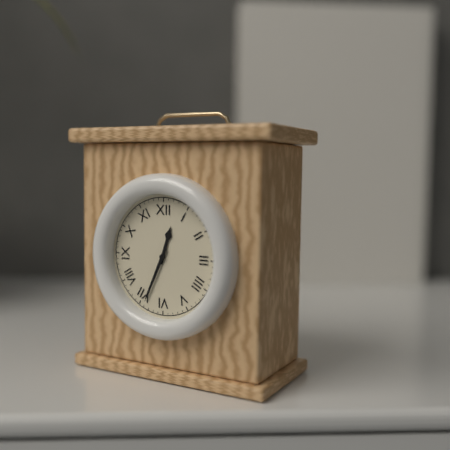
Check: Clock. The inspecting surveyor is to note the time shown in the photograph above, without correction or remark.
12:34
